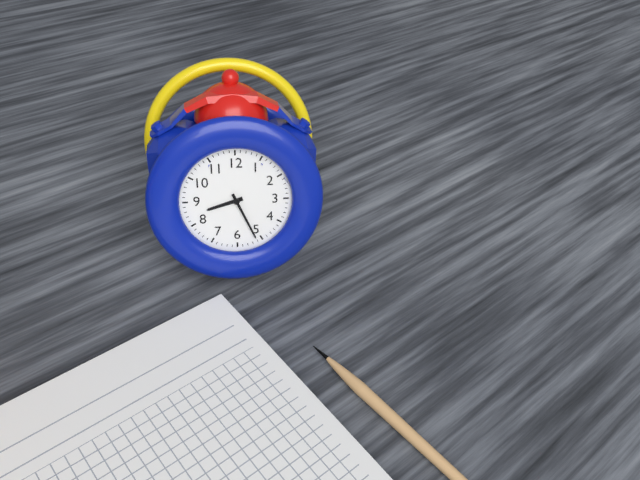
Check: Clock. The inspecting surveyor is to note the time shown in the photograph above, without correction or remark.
8:26
